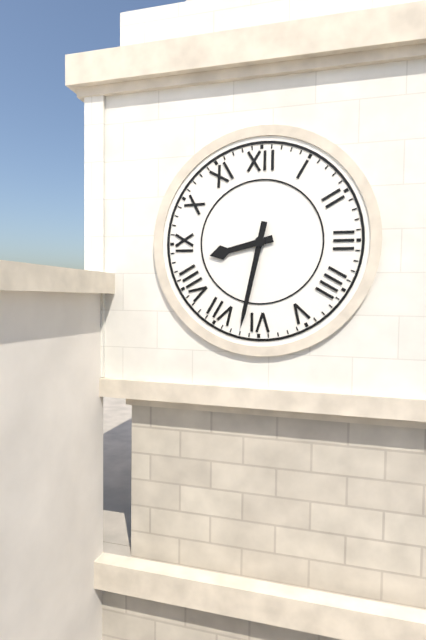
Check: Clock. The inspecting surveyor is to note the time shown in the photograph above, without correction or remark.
8:32
